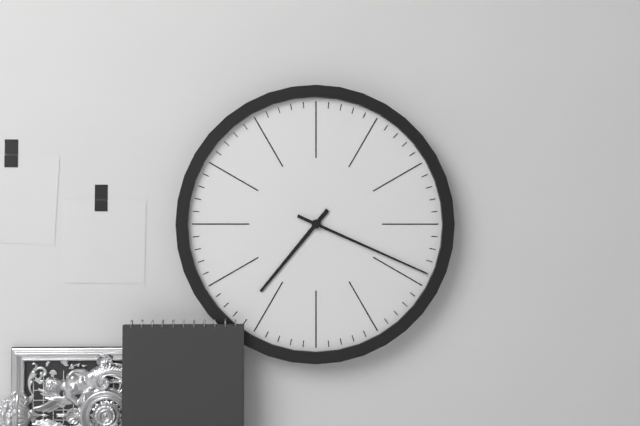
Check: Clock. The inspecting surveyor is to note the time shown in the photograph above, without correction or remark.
7:19
